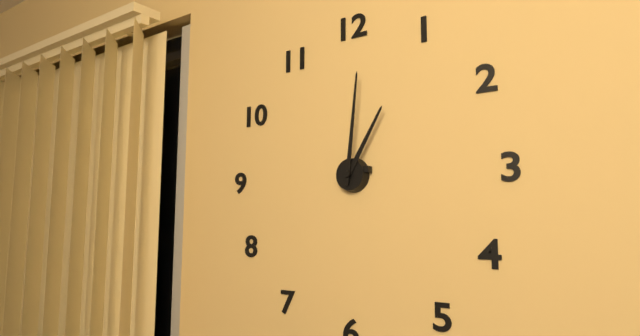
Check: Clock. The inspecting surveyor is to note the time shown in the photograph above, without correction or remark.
1:01
